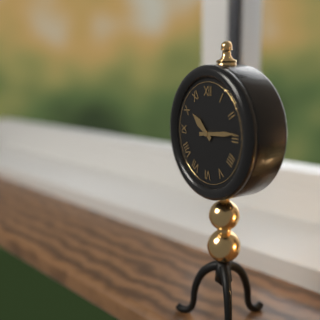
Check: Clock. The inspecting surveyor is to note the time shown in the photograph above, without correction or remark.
10:14
